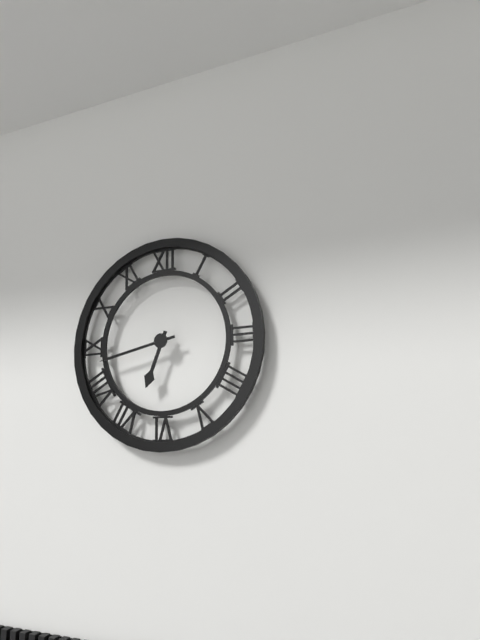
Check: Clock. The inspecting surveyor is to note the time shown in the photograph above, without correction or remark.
6:43
